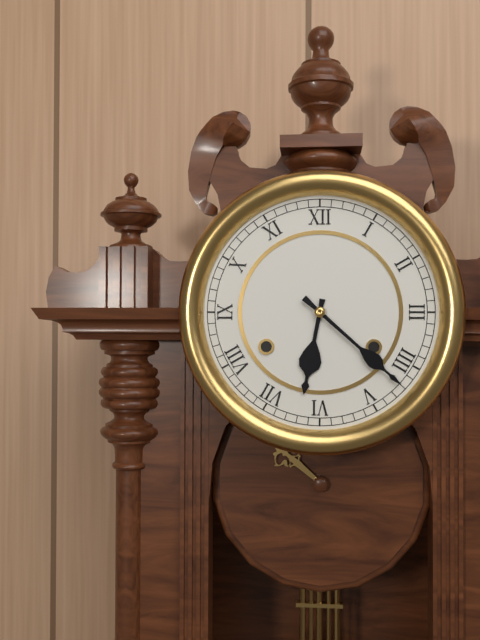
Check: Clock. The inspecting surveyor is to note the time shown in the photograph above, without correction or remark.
6:22
